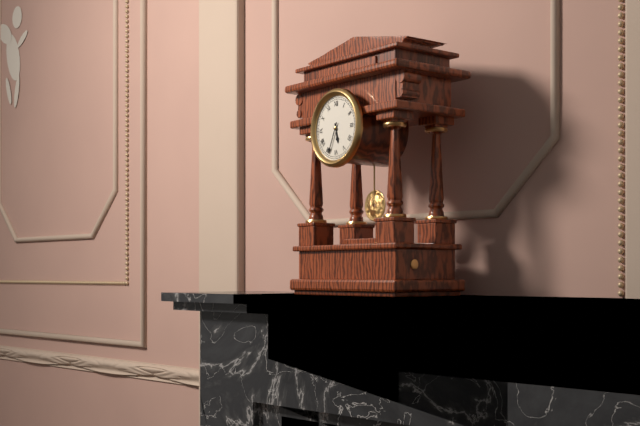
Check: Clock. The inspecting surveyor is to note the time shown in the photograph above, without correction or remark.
5:34
